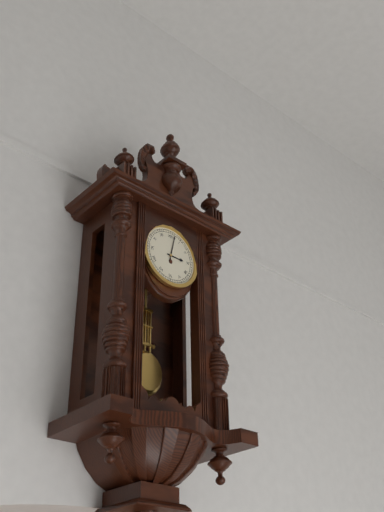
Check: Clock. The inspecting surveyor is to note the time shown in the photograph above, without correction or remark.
3:02
